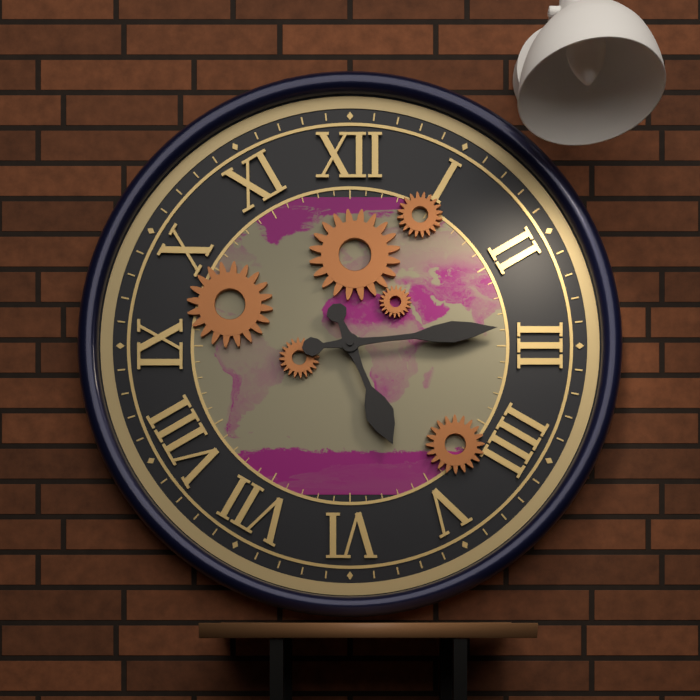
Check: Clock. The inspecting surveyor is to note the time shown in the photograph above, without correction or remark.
5:14
